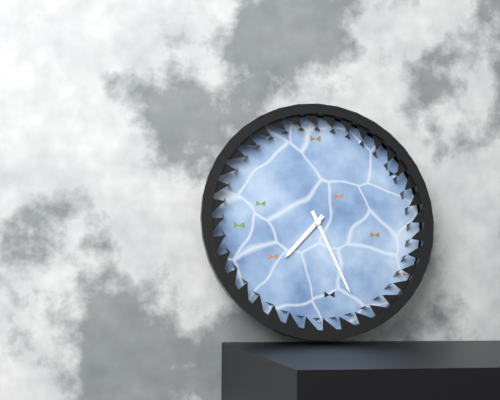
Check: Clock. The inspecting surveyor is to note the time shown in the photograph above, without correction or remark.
7:26
